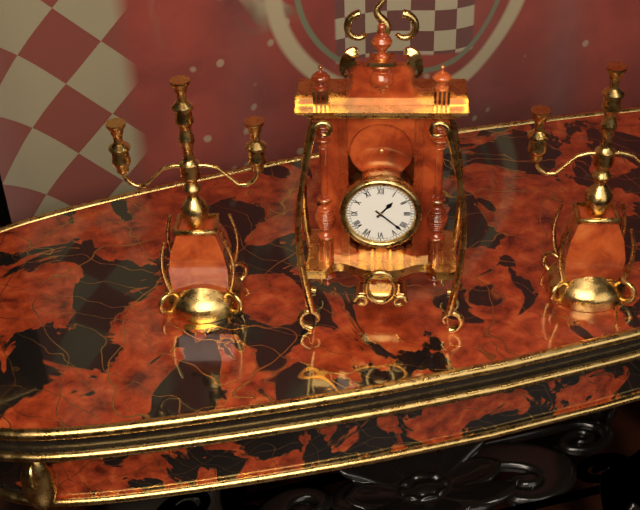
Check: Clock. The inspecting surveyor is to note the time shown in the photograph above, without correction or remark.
1:22
